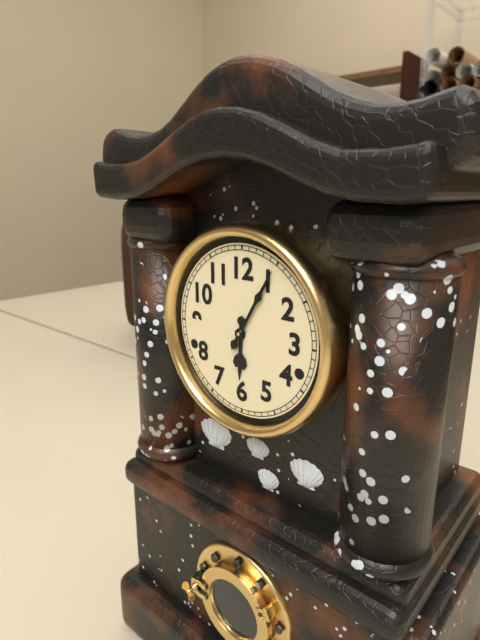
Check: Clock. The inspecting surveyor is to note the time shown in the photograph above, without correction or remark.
6:05
